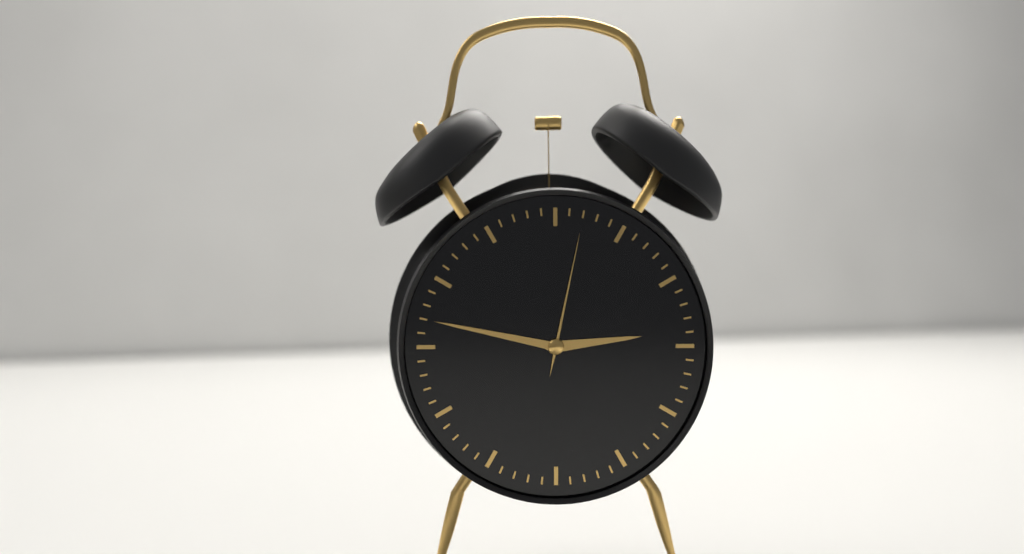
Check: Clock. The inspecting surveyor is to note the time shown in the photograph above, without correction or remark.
2:47:02
